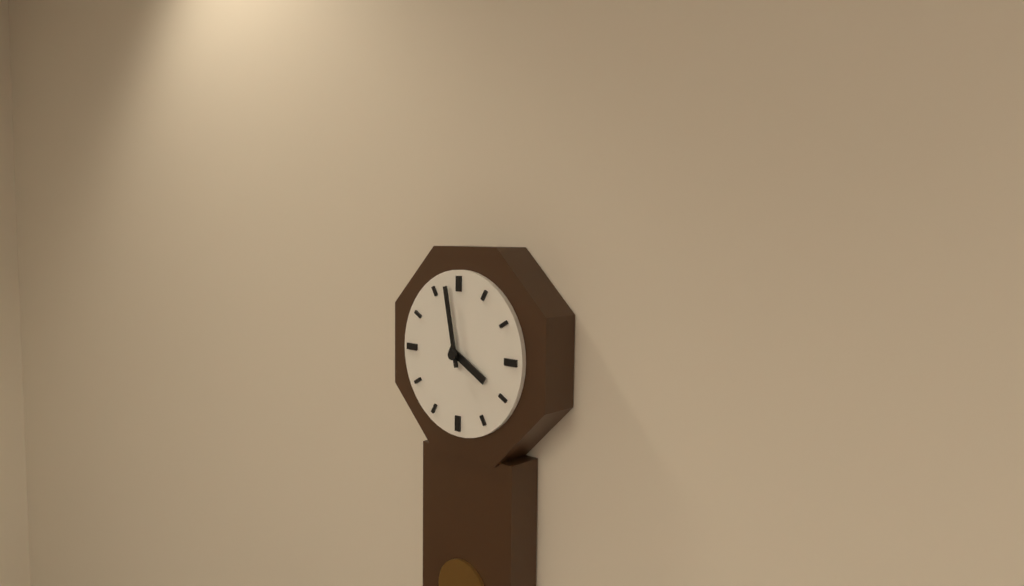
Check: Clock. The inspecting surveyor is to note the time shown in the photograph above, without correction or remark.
3:58
